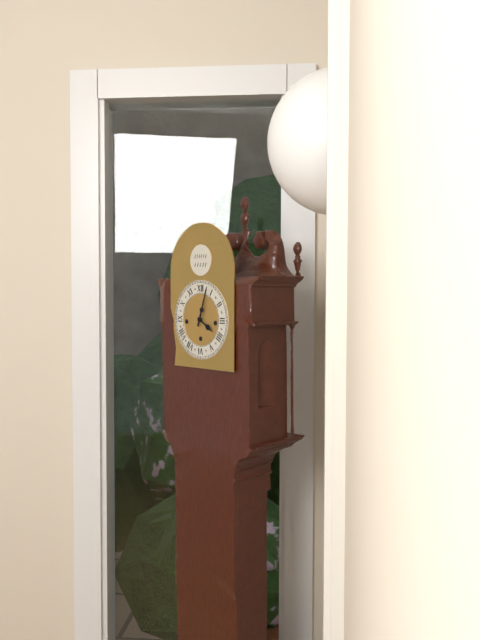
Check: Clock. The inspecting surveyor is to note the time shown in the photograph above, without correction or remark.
4:03
